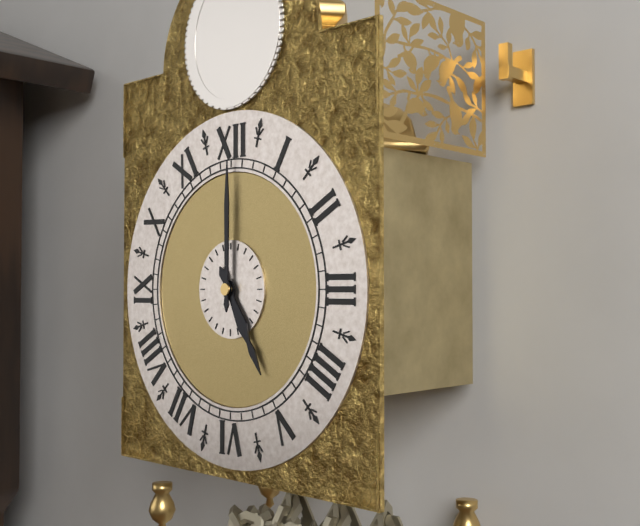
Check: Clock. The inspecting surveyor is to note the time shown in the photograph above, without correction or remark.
5:00
